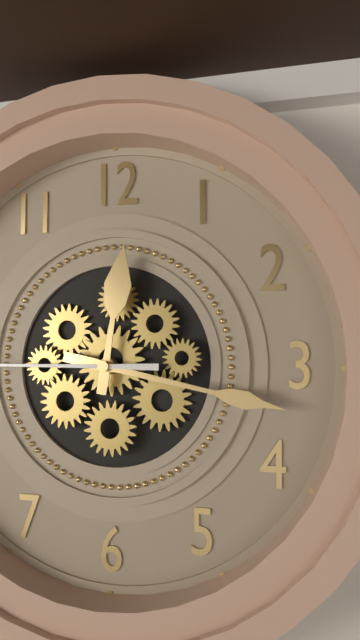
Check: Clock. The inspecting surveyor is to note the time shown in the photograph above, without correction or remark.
12:17
